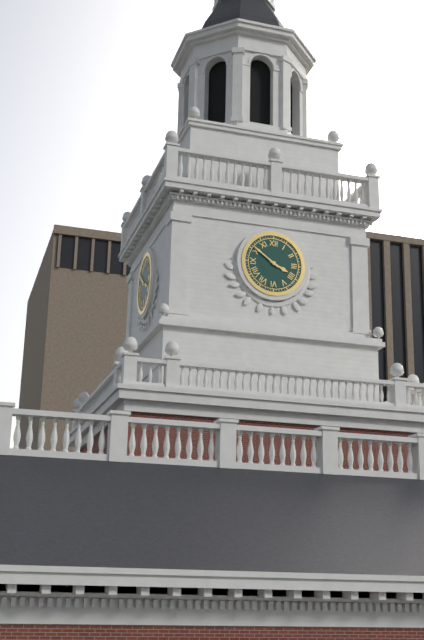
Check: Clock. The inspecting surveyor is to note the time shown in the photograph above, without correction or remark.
3:51
